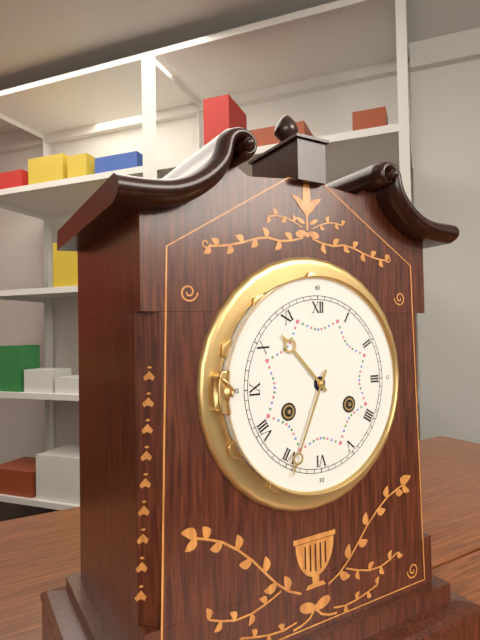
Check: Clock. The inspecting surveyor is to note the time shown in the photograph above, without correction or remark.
10:34
